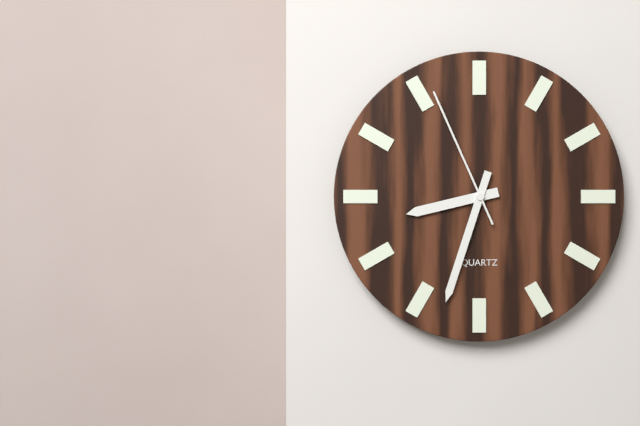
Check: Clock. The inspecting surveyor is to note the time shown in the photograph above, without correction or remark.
8:33:56
